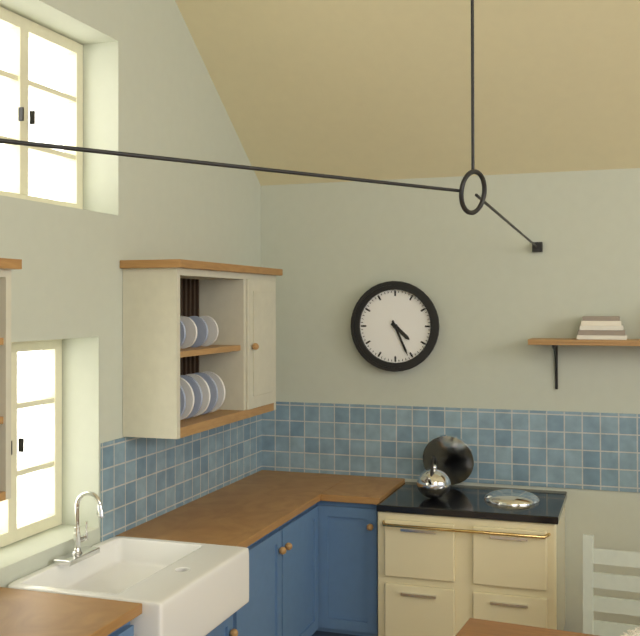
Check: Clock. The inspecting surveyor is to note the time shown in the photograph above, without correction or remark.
4:26
